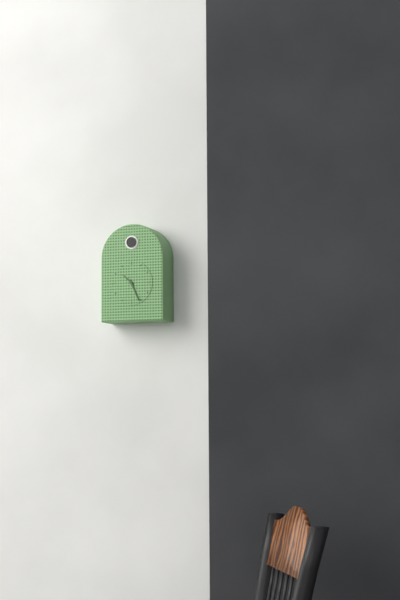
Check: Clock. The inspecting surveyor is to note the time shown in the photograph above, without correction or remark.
10:26
